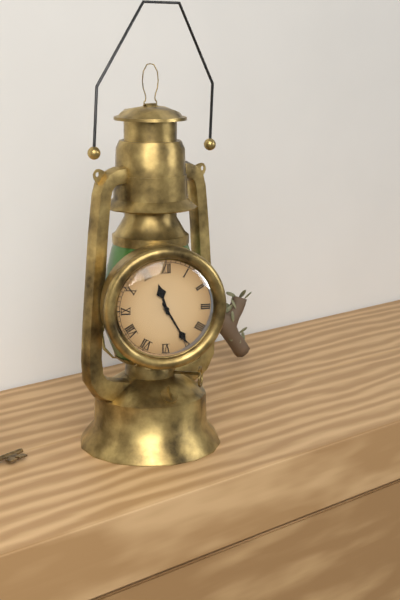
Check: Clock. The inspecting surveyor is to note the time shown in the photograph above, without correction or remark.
11:25
